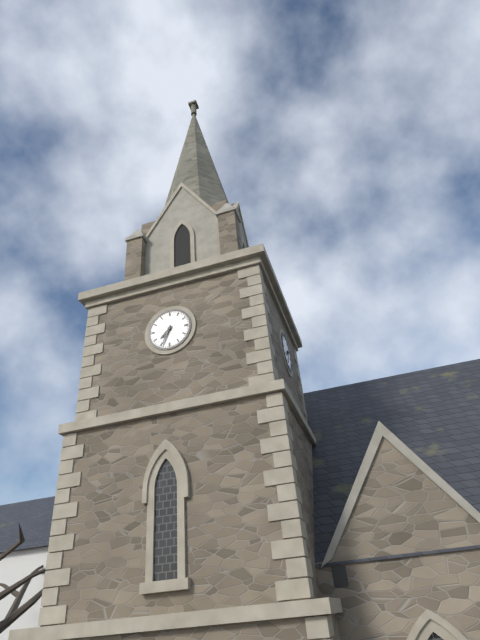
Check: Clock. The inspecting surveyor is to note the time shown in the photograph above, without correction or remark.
7:34
